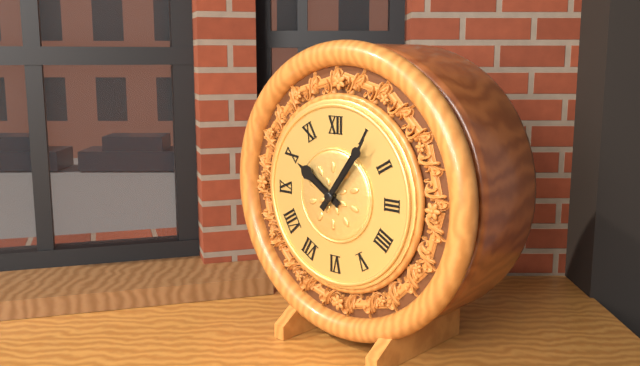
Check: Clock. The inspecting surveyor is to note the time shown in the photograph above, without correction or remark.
10:06
